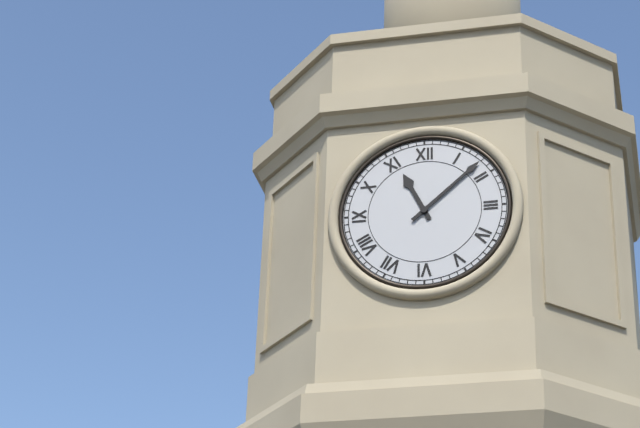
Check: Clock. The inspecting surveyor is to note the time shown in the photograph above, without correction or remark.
11:08
